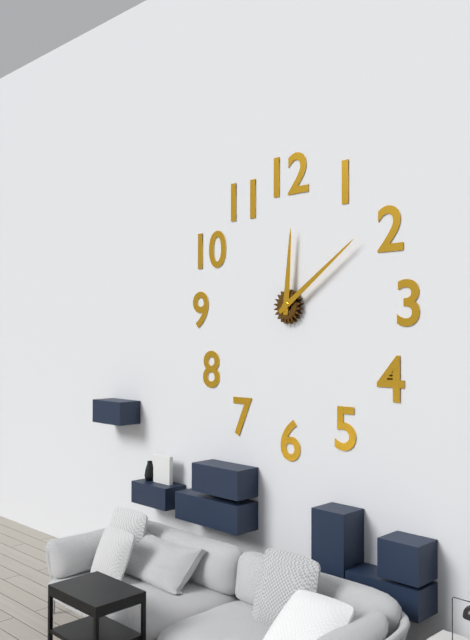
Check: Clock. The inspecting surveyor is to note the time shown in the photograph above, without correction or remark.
12:09
